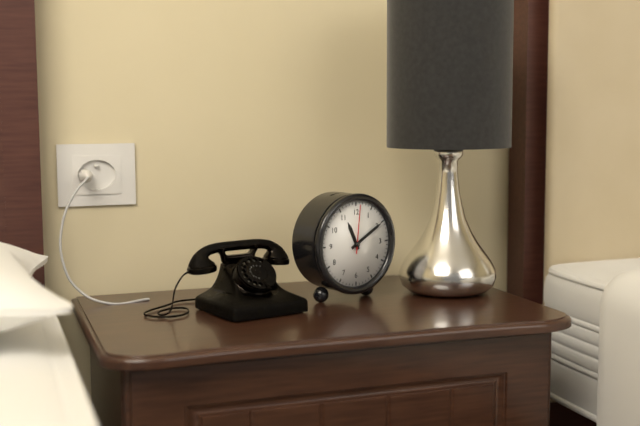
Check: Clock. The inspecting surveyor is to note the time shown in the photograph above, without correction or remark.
11:10
